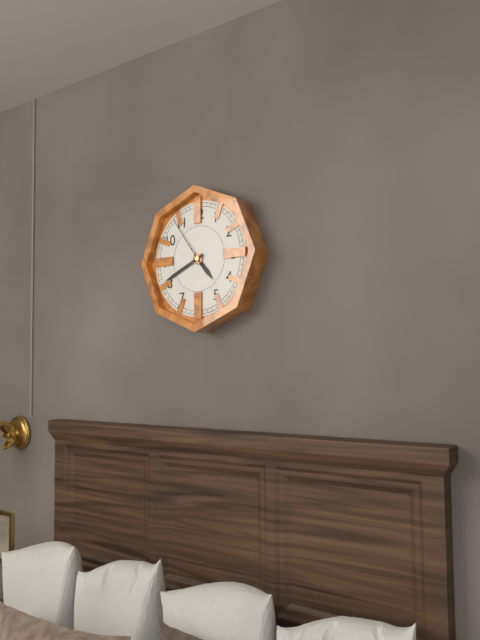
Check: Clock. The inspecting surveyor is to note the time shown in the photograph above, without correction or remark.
4:41:54
